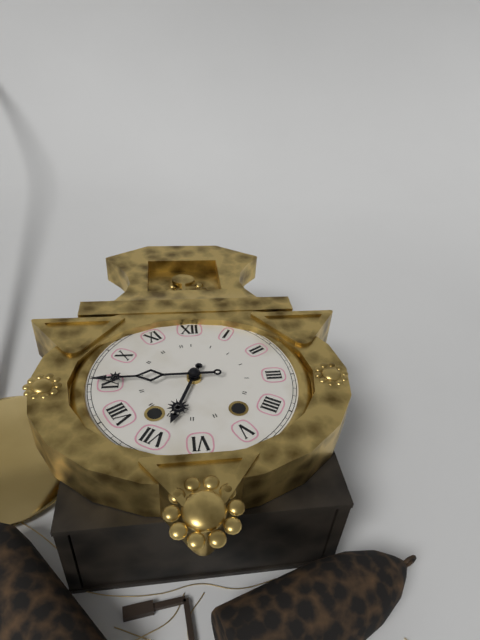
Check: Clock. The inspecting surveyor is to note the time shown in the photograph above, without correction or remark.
6:45
